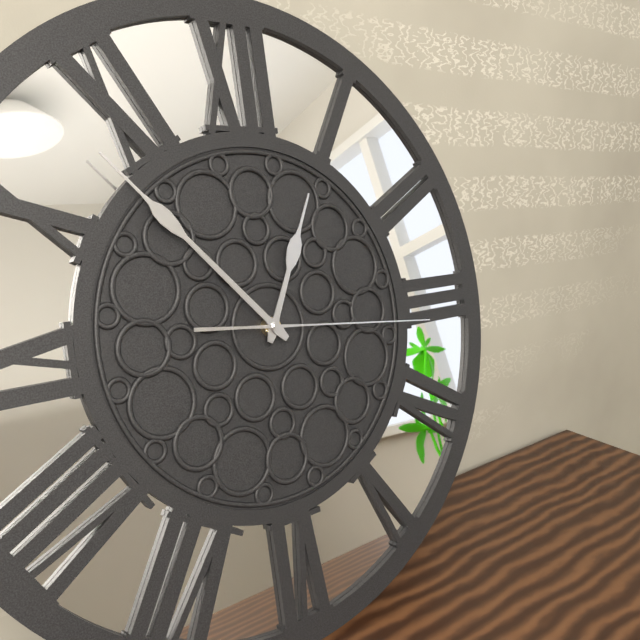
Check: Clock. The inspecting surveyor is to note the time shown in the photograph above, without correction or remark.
12:53:16
